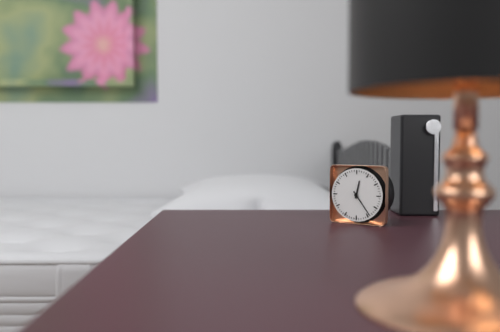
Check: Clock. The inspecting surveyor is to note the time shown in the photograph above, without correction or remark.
12:24
